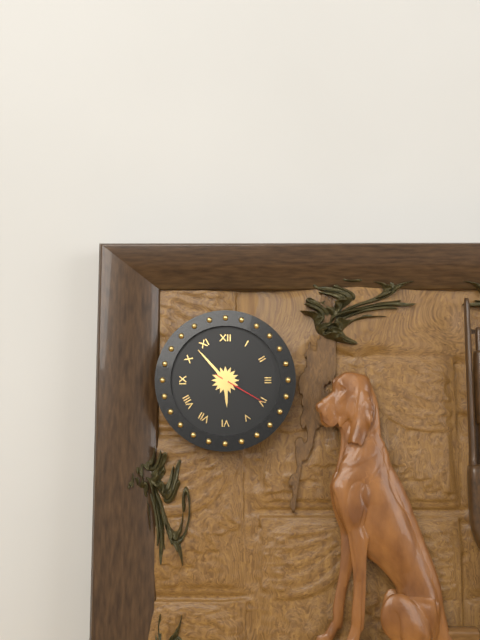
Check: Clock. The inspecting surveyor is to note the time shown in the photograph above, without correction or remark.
5:53:20
